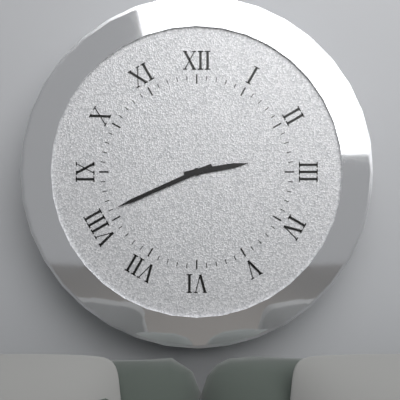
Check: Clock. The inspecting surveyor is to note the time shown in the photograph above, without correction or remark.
2:41
